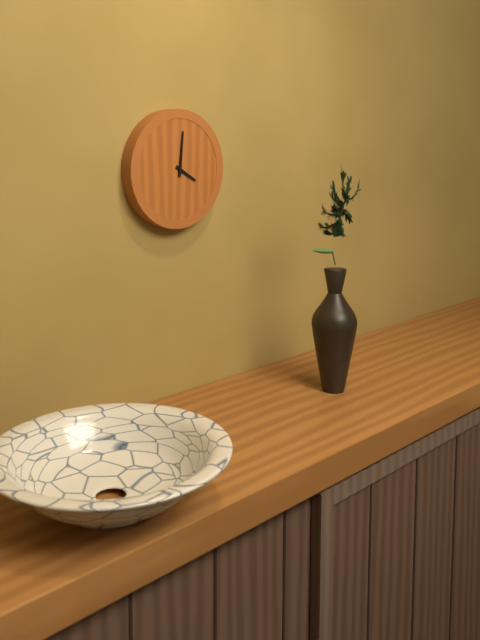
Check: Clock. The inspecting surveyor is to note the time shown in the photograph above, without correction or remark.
4:01
